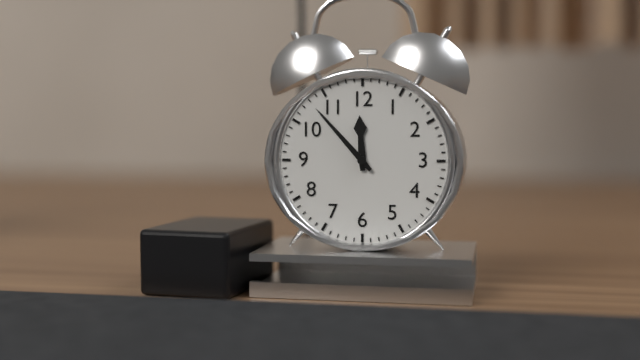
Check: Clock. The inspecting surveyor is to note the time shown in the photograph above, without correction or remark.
11:53
